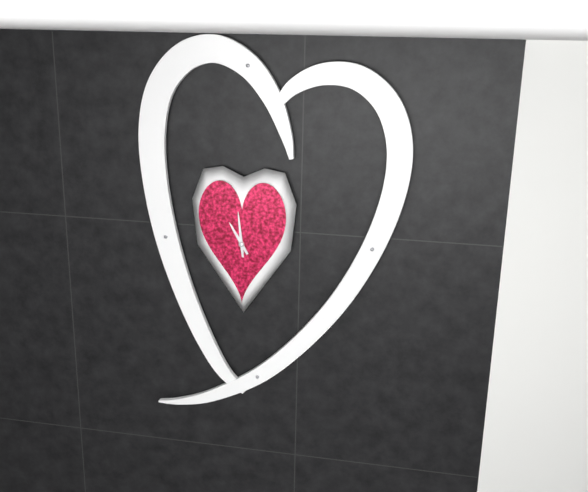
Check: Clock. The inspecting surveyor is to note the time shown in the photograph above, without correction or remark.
10:59
